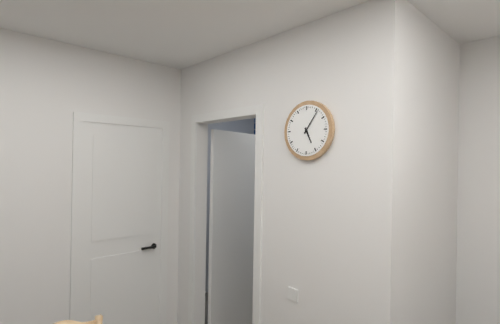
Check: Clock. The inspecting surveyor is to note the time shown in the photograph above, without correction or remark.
5:06
